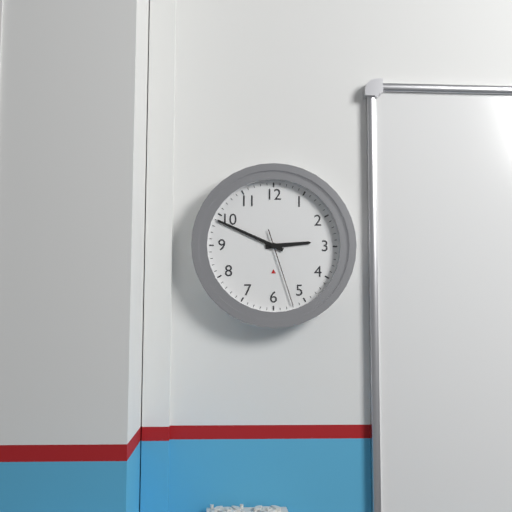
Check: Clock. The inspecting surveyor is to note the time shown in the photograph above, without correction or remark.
2:49:27
